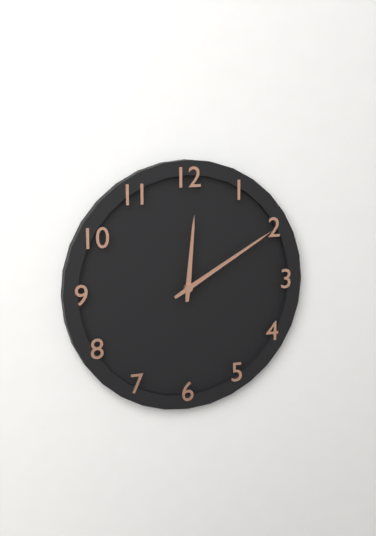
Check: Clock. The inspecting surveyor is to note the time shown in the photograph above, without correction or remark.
12:10
